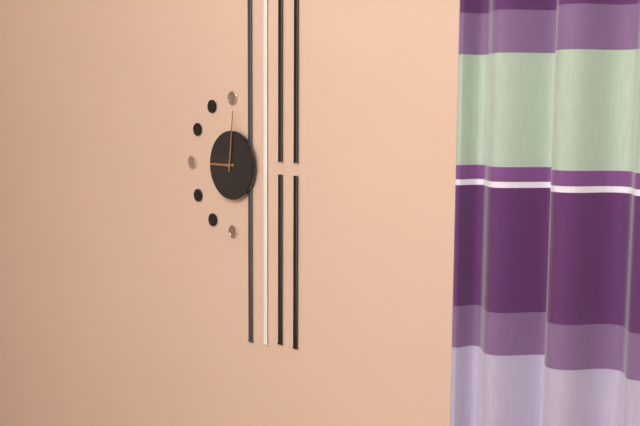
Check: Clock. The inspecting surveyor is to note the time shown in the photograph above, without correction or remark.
9:01
